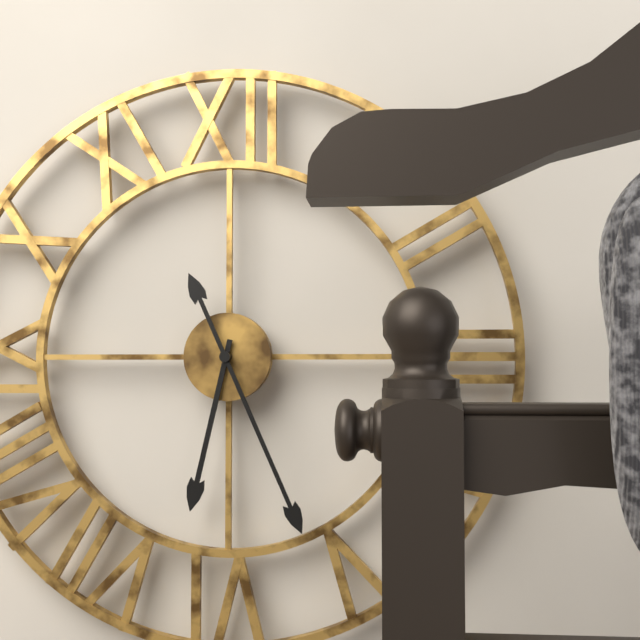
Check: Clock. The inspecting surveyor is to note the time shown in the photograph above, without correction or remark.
6:26
